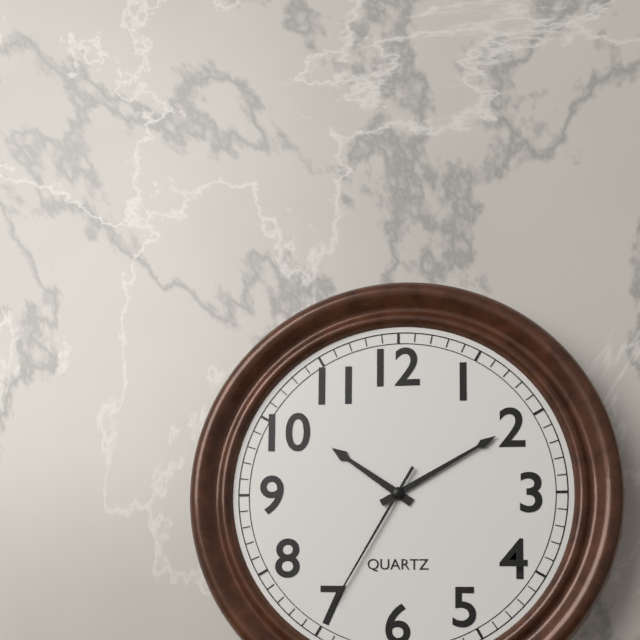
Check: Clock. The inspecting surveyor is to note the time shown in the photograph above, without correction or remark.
10:10:35
